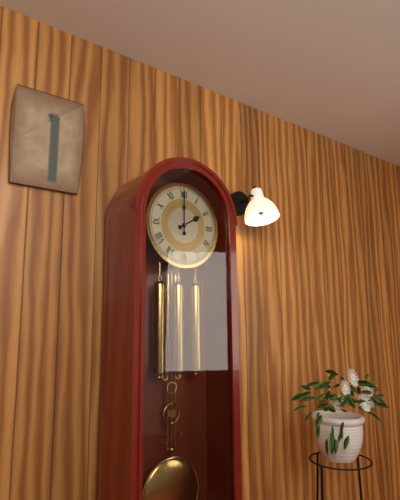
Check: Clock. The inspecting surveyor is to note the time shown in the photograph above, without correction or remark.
2:00
